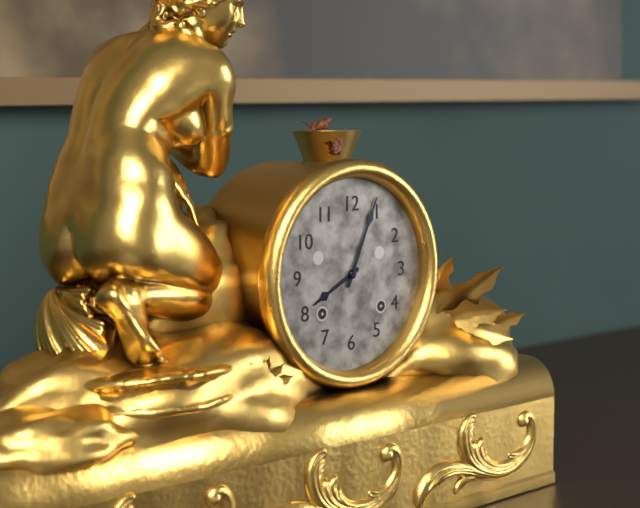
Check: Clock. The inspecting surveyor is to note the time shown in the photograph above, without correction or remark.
8:04
